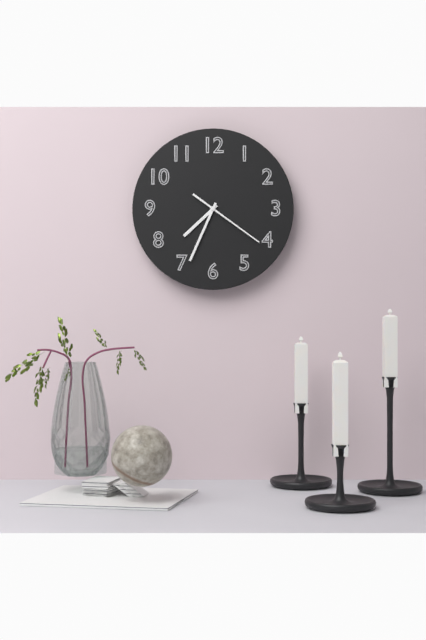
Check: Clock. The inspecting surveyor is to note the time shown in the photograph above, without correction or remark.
7:34:21
